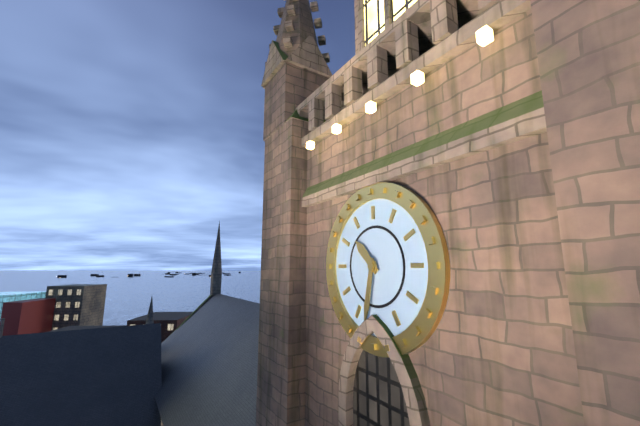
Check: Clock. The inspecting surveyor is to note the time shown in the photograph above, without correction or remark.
10:32
